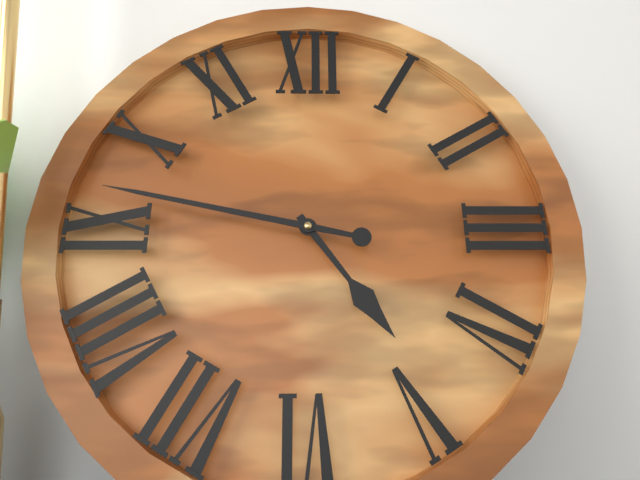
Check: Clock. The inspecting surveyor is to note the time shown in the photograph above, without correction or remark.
4:47
